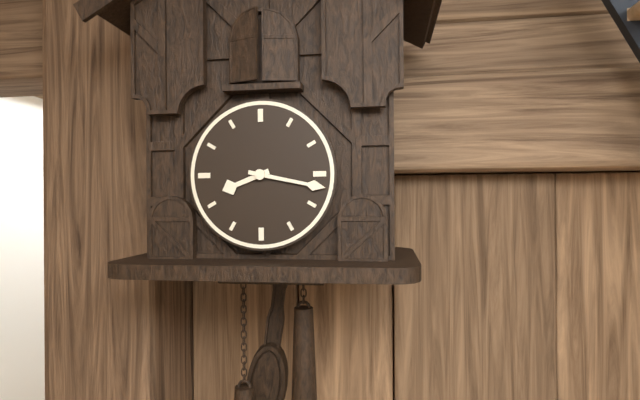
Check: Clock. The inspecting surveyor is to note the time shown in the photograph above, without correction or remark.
8:17
